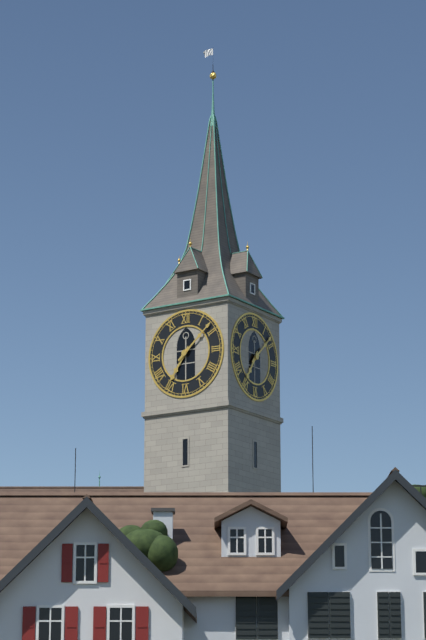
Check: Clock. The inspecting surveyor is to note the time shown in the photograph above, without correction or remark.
7:08
